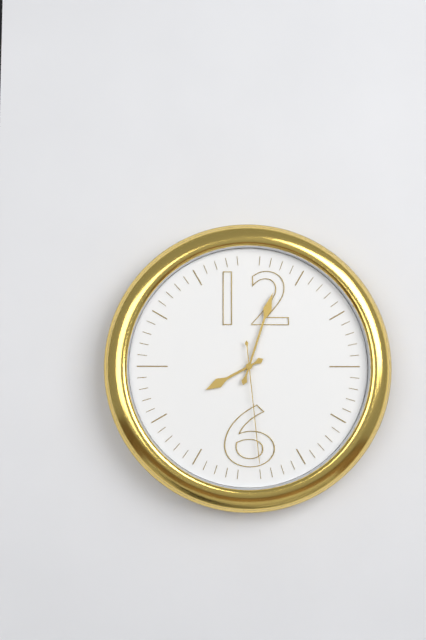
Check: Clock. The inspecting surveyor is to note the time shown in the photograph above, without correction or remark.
8:03:29
